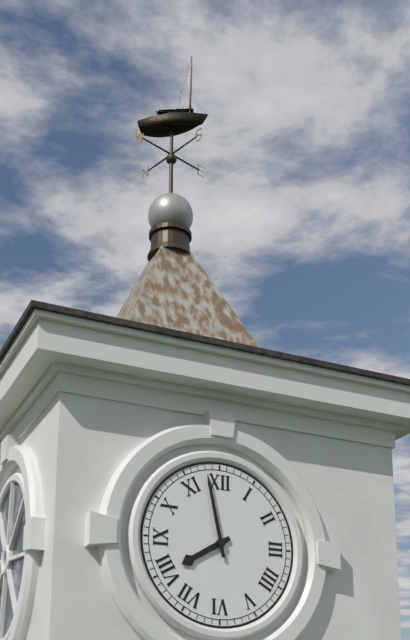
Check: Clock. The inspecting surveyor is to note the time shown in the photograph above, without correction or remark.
7:58
